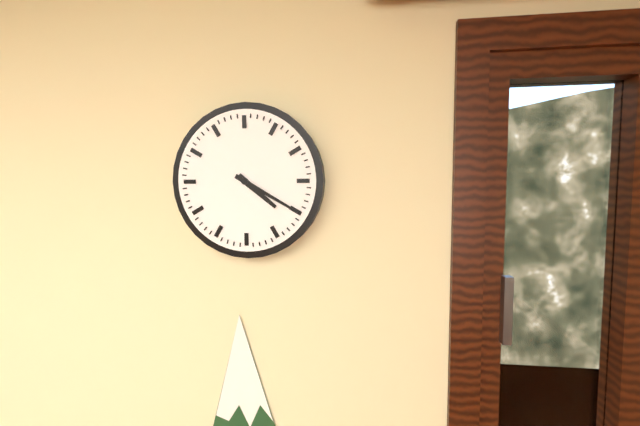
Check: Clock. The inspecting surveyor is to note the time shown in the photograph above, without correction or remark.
4:20
